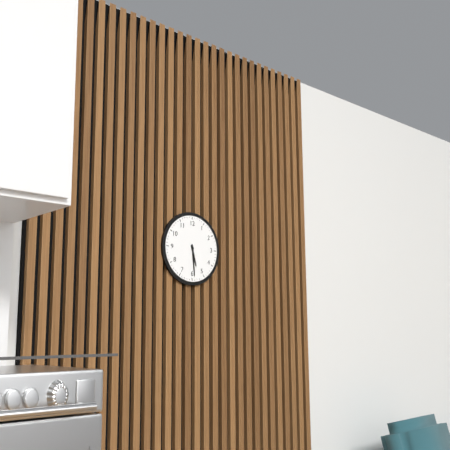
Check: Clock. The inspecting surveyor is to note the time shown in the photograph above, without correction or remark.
5:29
